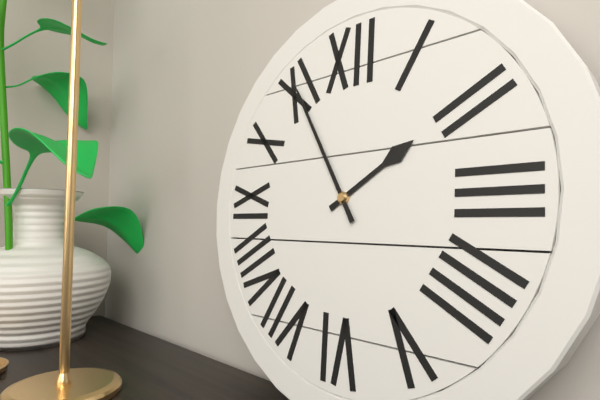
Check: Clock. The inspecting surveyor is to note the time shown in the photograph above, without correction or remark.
1:55
